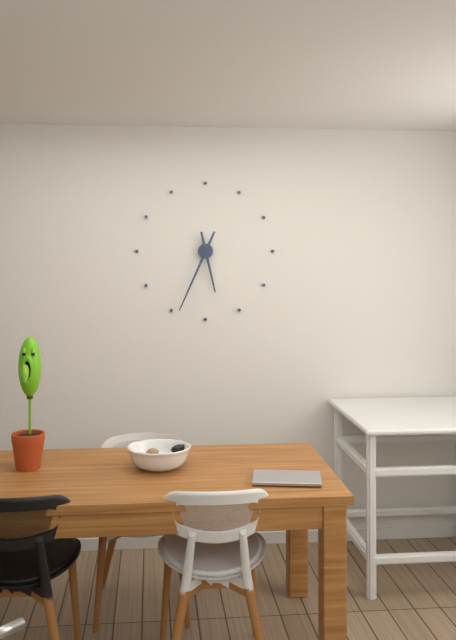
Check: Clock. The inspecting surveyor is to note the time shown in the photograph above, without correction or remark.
5:34
